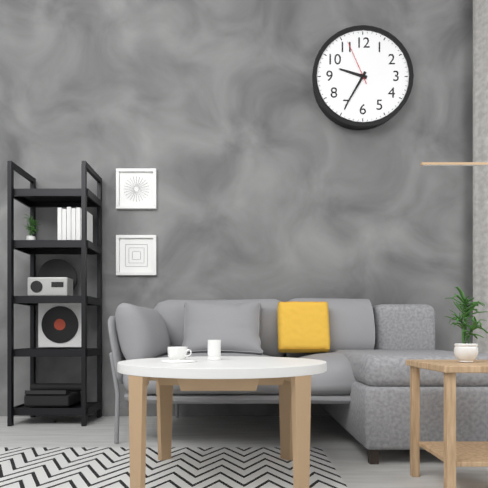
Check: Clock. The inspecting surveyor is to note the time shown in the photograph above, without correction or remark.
9:35
